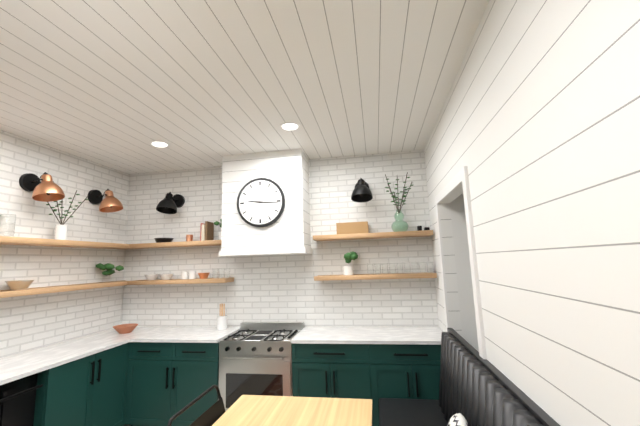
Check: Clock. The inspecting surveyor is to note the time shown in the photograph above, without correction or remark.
9:16
